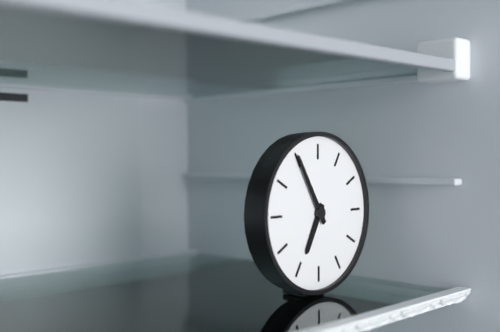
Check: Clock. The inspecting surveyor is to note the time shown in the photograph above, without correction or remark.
6:55
